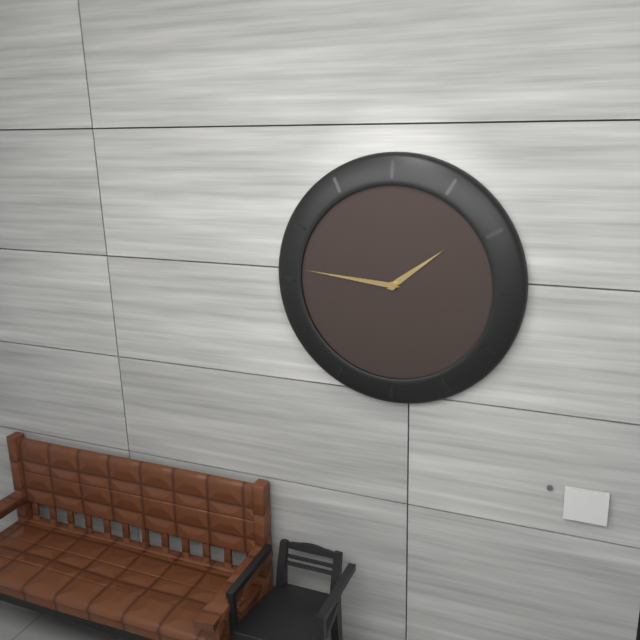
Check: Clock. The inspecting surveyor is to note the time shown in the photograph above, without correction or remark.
1:46
